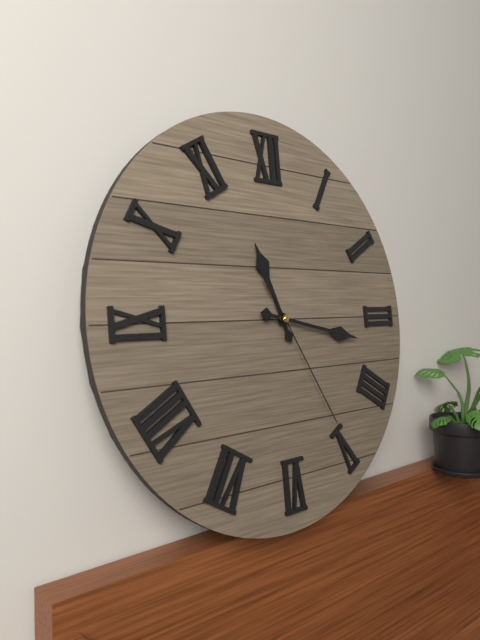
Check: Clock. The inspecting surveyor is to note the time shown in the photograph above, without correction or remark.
11:17:25
